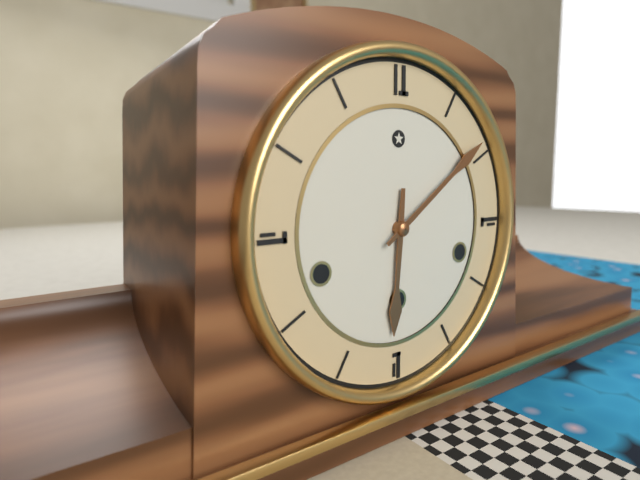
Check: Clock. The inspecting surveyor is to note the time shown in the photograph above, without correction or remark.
6:09
